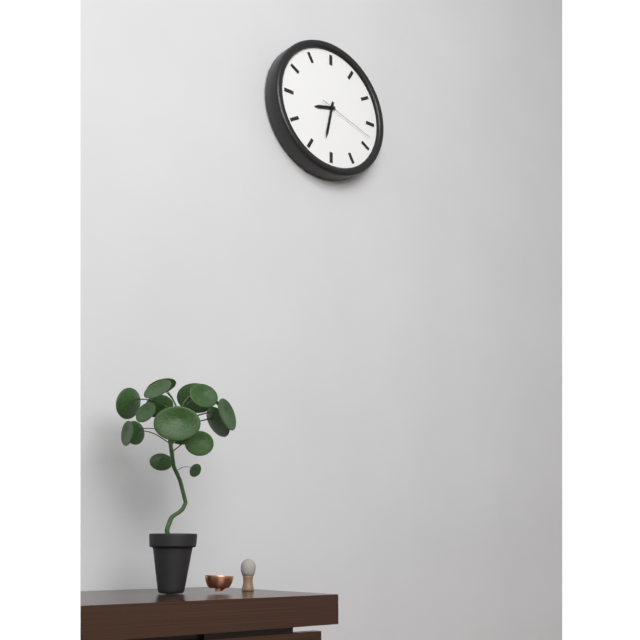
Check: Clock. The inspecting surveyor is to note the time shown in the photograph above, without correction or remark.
8:32:18
